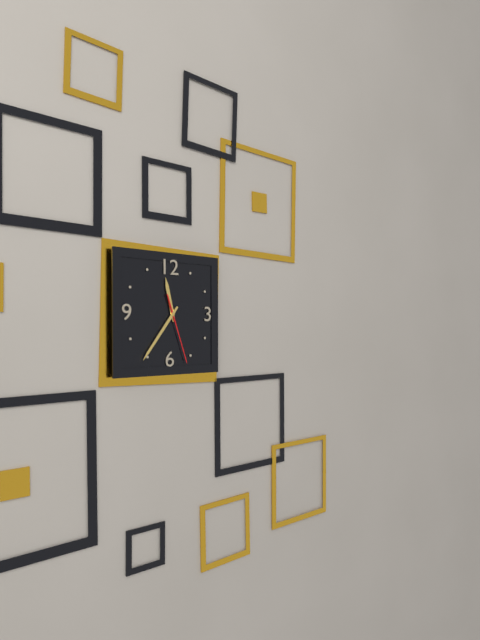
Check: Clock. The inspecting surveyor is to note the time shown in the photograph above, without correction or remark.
11:36:27
